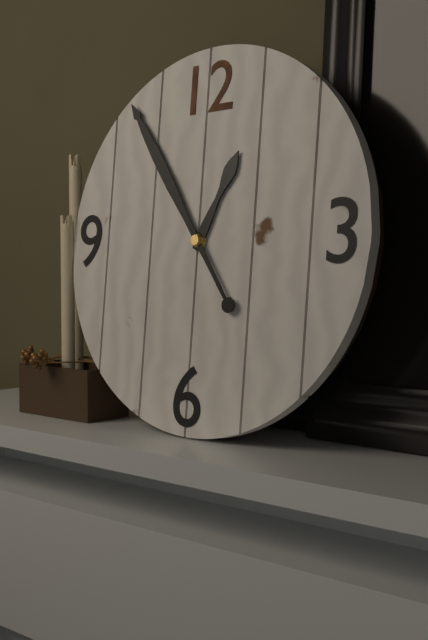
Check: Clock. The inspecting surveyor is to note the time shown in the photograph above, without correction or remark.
12:54
